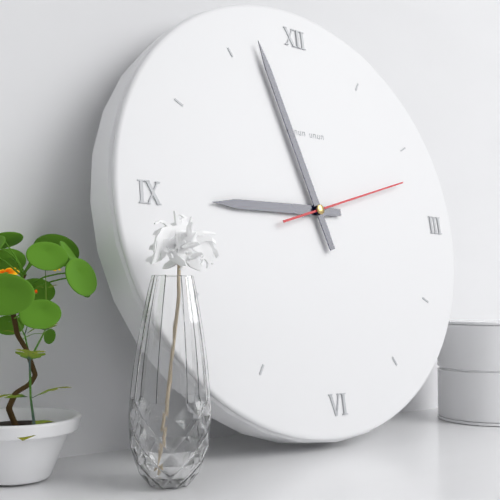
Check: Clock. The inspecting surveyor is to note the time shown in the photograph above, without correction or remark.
8:57:12
